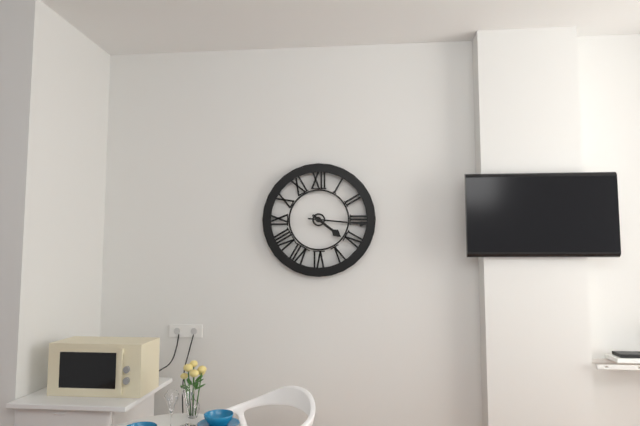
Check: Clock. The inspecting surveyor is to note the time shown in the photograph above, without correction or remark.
4:16
